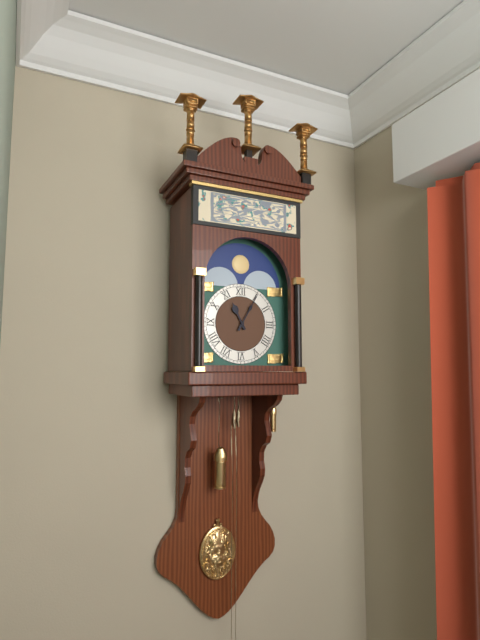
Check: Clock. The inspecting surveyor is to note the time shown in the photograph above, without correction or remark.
11:05
